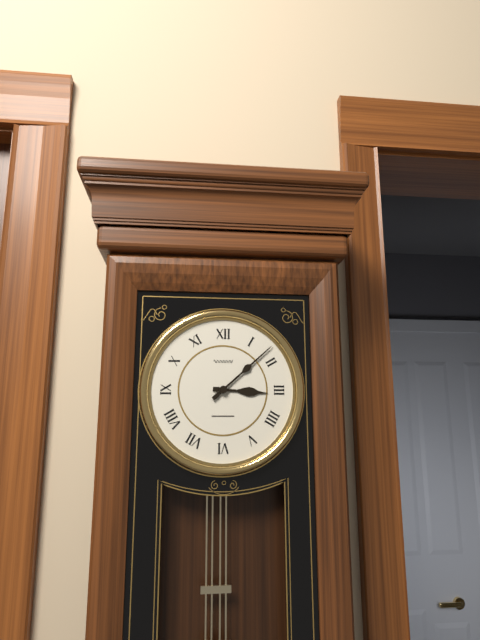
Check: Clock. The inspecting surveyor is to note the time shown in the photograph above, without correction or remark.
3:08
